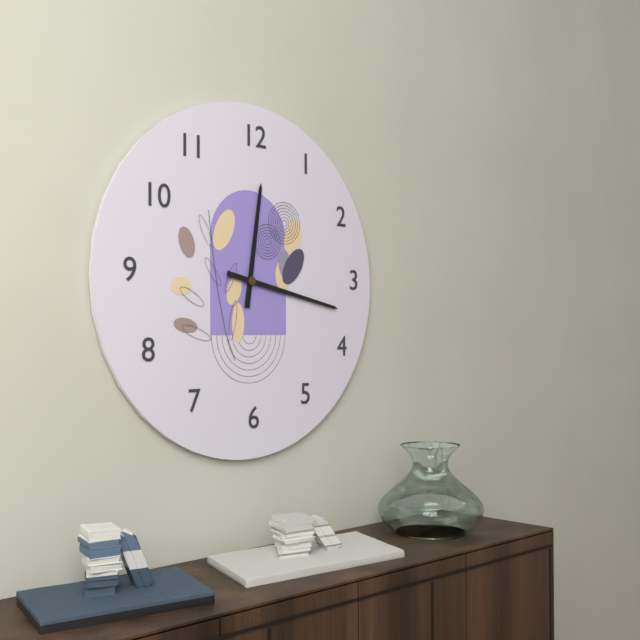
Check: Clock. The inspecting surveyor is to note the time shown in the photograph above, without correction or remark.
12:17
